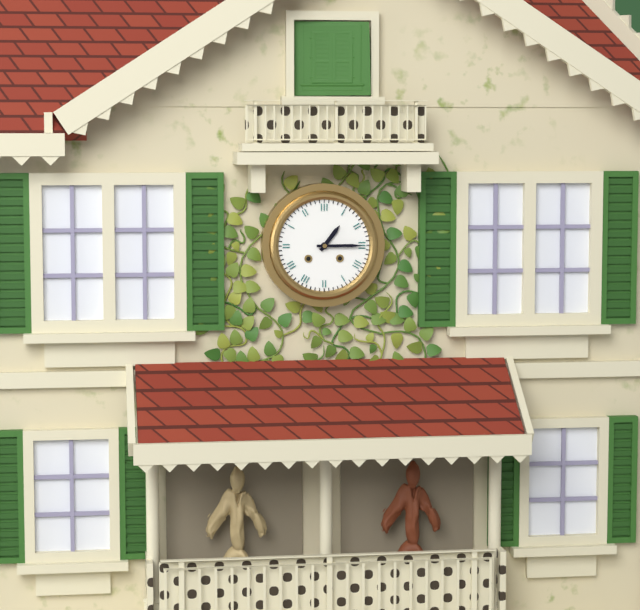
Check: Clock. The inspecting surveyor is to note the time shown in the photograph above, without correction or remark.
1:15
